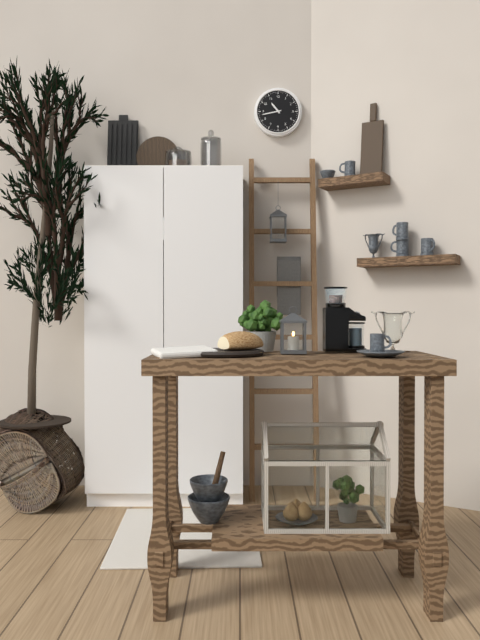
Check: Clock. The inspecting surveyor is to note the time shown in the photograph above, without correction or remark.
10:43
